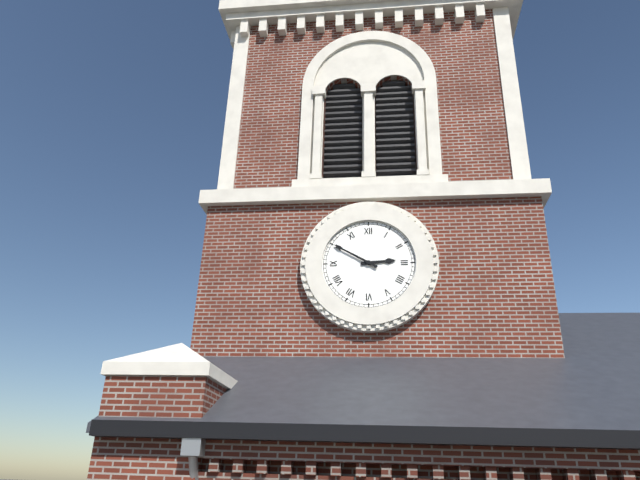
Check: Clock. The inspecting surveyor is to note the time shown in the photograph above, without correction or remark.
2:50
